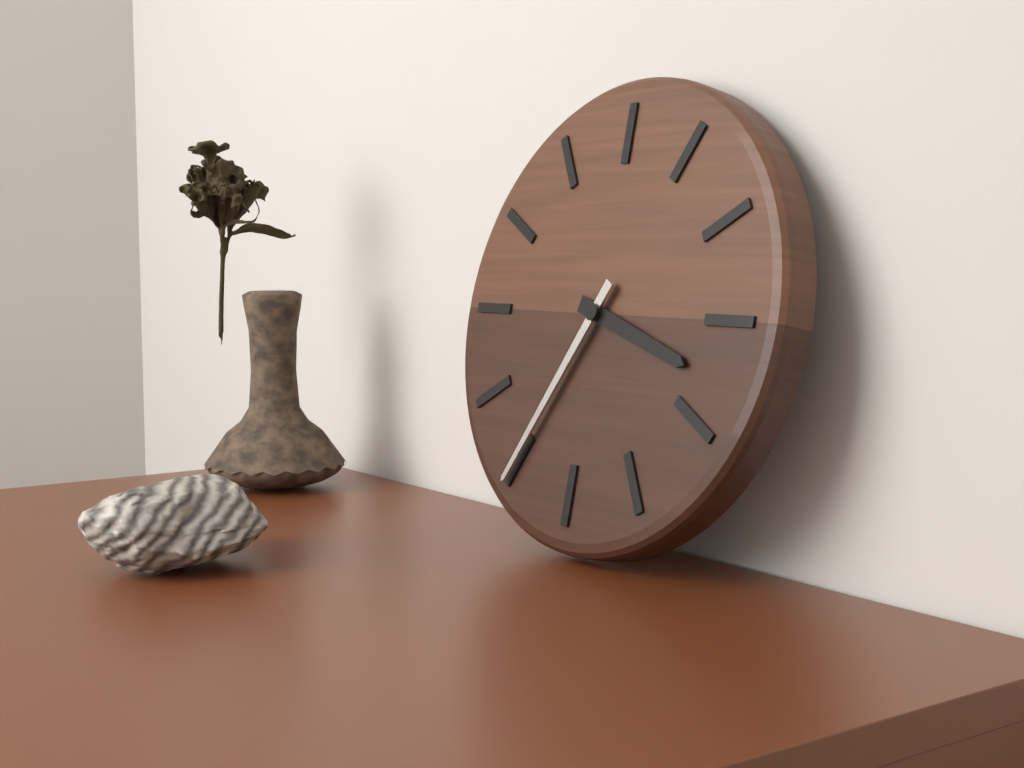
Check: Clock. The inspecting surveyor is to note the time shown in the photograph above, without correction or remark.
3:35
